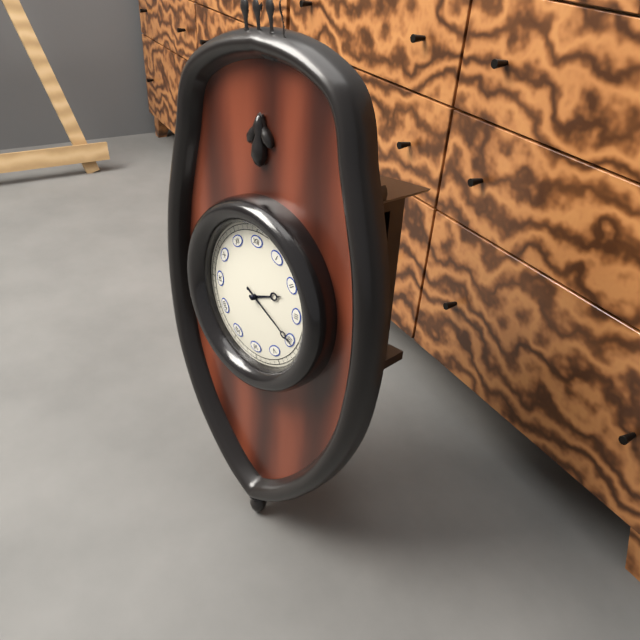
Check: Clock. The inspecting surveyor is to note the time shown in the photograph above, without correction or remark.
2:20
